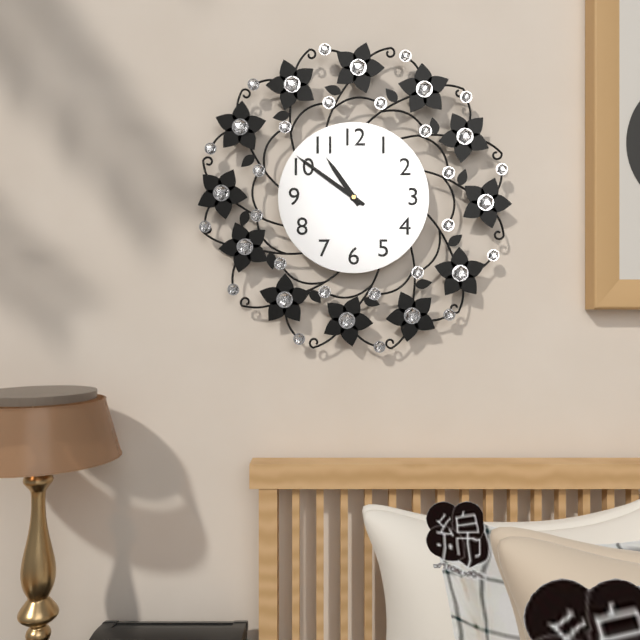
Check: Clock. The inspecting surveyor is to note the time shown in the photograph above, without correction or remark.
10:51
